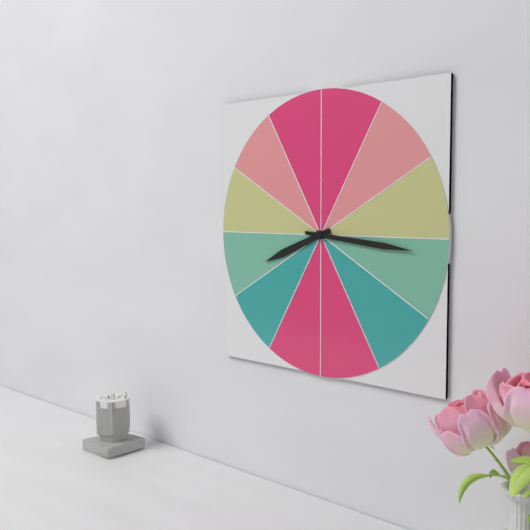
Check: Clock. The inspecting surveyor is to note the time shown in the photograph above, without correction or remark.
8:16
